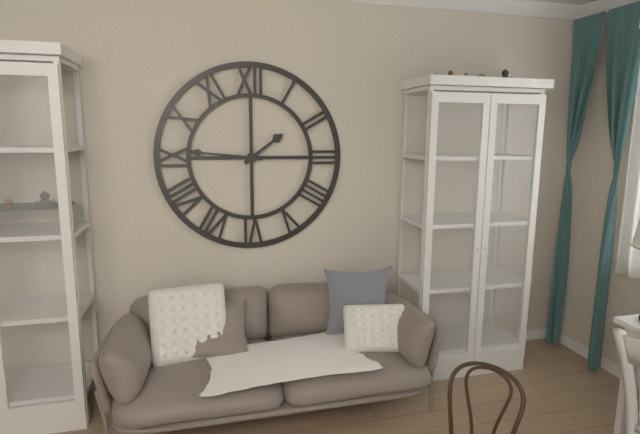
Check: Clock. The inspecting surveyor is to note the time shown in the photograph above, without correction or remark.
1:46
